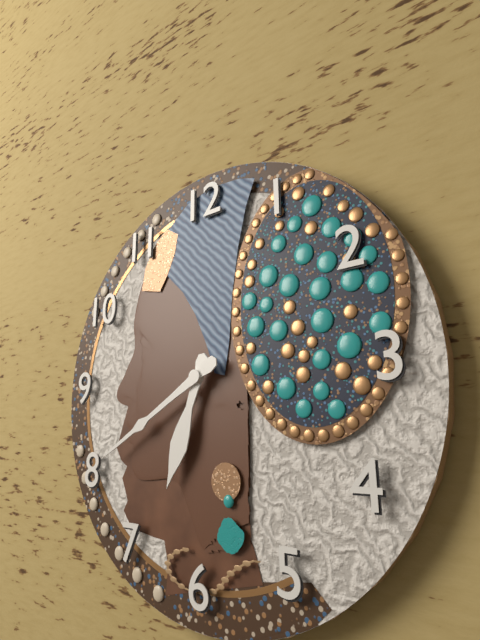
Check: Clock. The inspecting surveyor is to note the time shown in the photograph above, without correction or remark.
6:40
